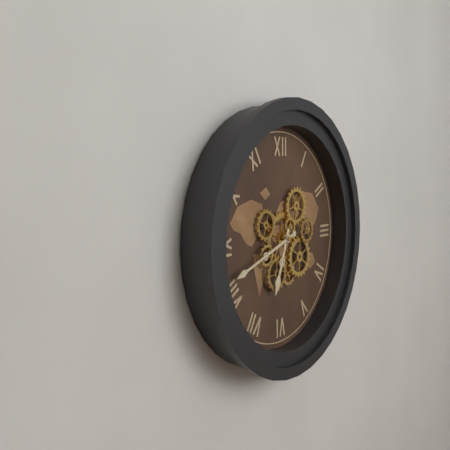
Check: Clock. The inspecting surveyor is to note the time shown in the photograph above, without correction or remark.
6:42
